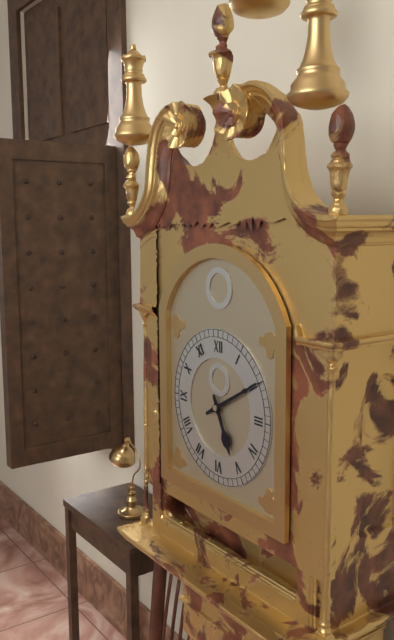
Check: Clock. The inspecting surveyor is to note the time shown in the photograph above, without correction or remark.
5:10
